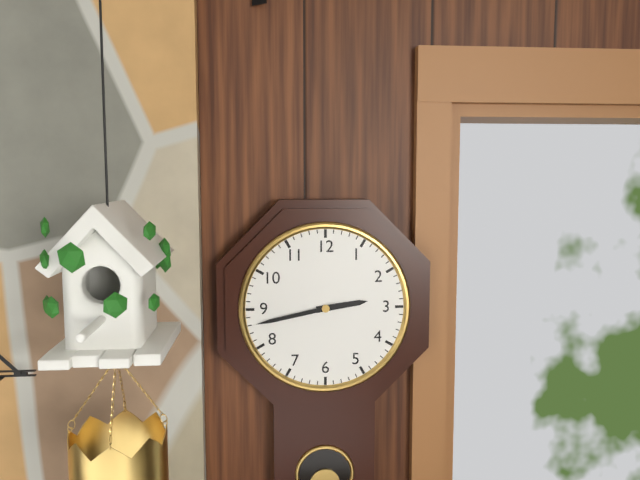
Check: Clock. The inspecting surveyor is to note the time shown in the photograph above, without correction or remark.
2:43
